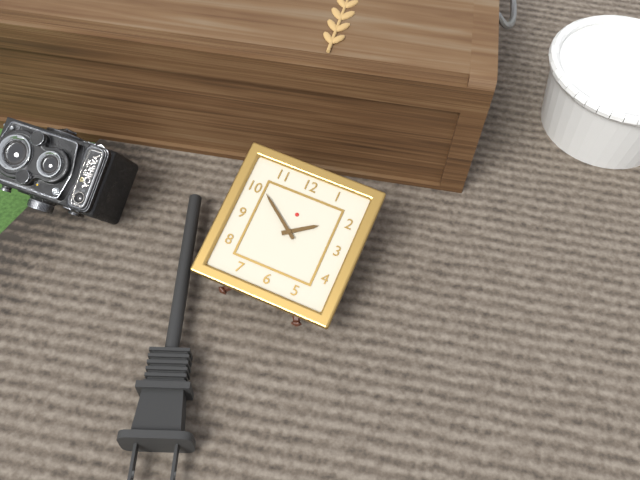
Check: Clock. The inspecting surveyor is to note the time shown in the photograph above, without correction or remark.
1:51
